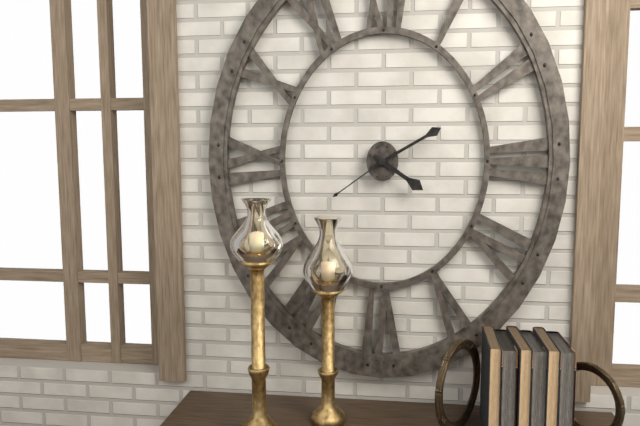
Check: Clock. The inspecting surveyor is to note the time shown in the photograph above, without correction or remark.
4:10:39
